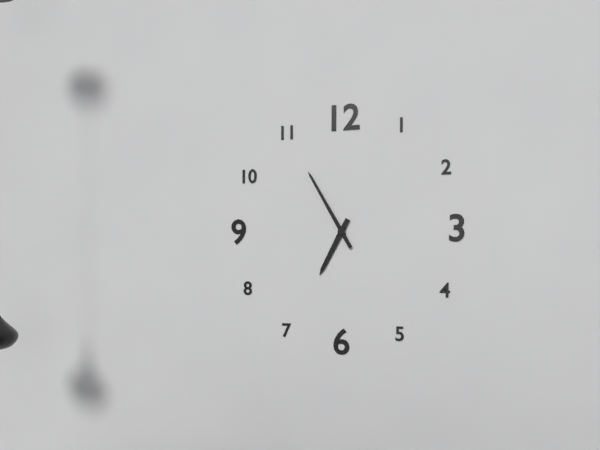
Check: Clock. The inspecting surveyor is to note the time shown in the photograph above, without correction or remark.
6:55
